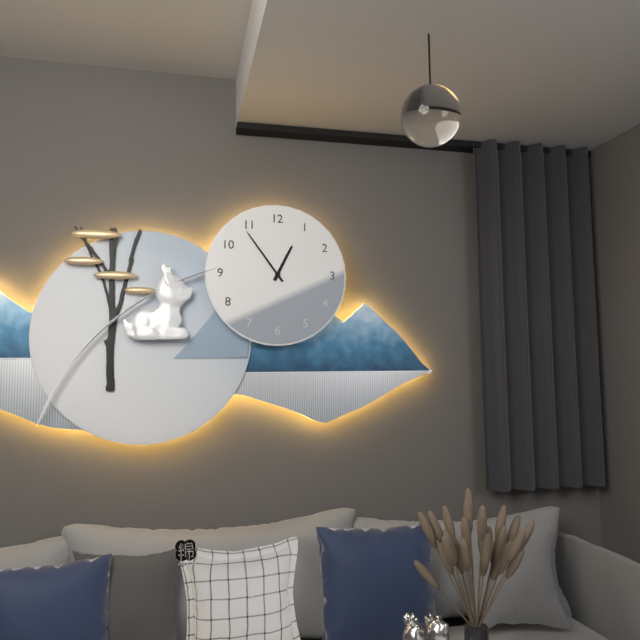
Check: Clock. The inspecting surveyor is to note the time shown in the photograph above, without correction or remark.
12:54
